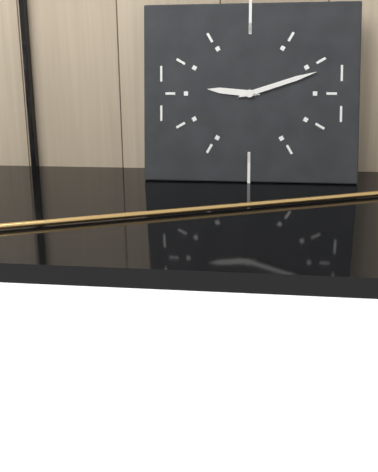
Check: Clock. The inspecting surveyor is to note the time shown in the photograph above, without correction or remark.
9:12
